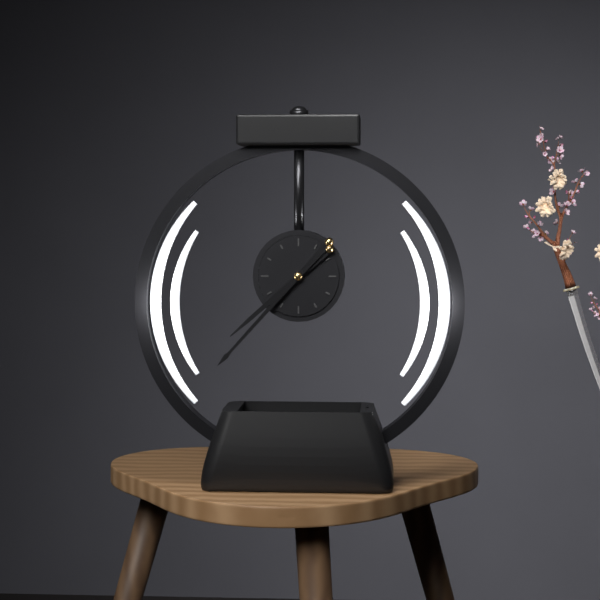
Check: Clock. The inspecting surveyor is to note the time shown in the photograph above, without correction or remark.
7:37
